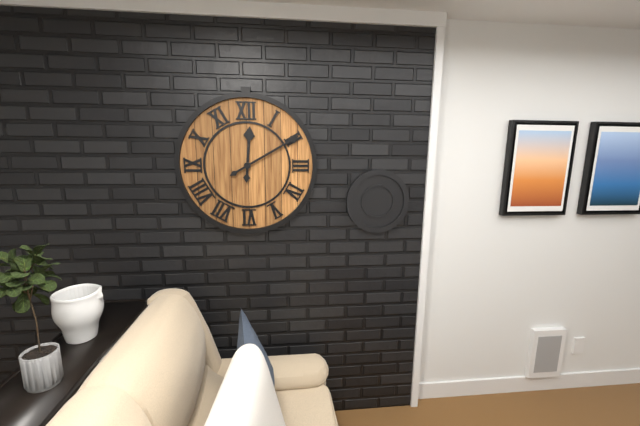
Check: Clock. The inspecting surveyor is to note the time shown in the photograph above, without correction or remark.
12:10
